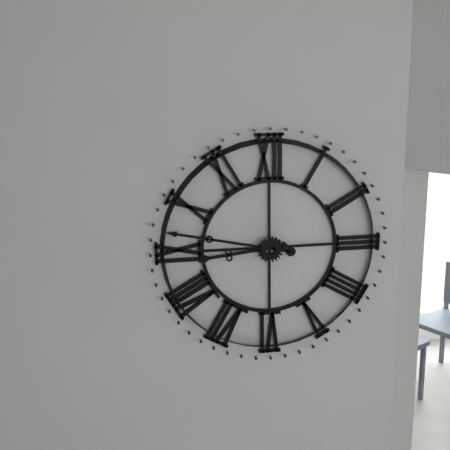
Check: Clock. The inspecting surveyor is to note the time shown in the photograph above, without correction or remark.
8:47
